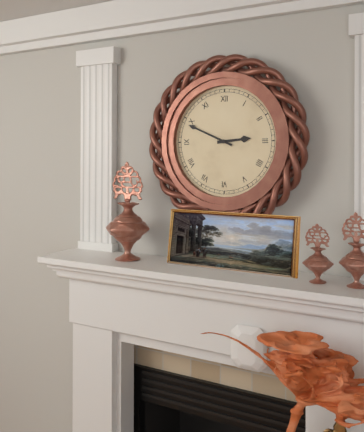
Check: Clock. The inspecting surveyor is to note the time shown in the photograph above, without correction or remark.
2:49
